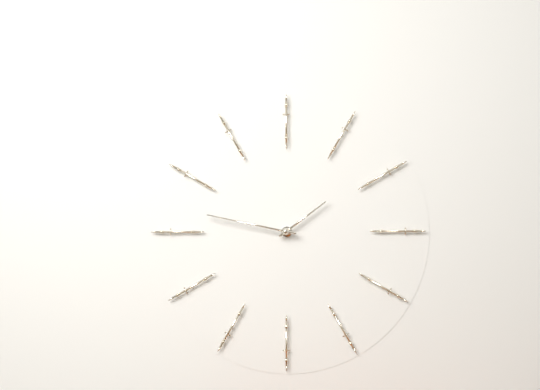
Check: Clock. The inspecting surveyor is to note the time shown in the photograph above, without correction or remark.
1:47
